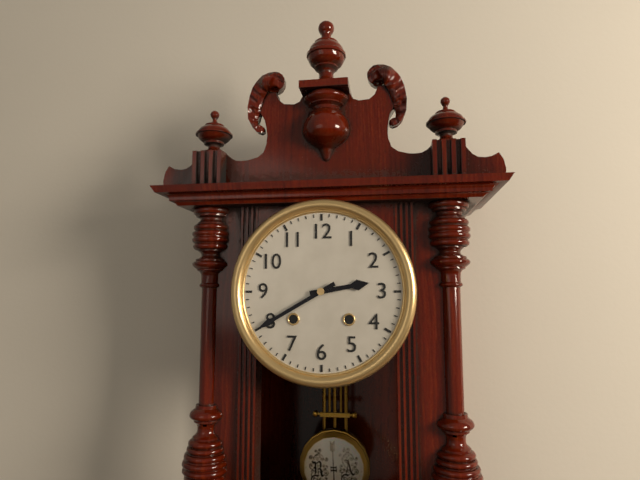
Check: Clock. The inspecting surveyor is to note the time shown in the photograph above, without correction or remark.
2:40
